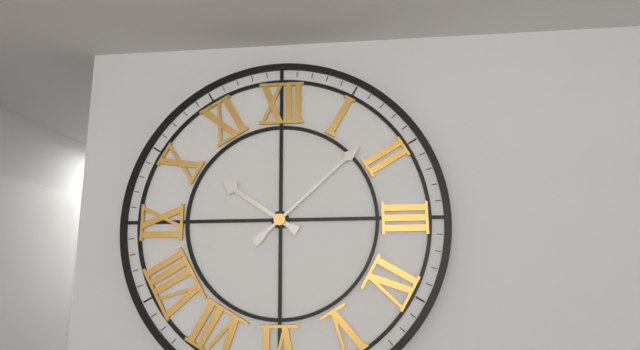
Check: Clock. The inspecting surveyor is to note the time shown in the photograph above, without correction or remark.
10:08
